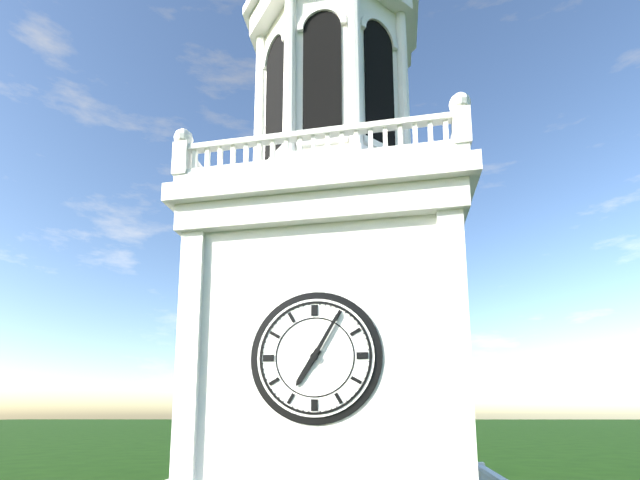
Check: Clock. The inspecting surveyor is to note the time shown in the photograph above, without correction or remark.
7:05
